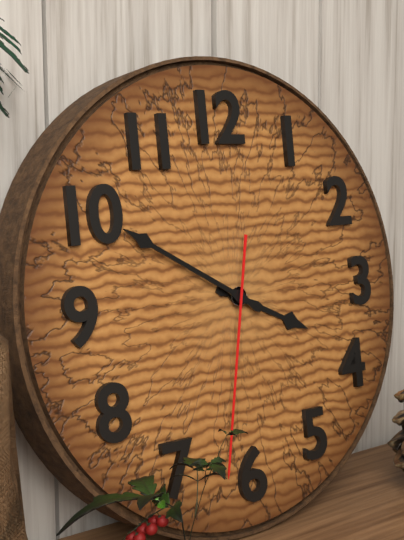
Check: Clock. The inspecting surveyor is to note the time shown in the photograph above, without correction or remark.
3:50:32
